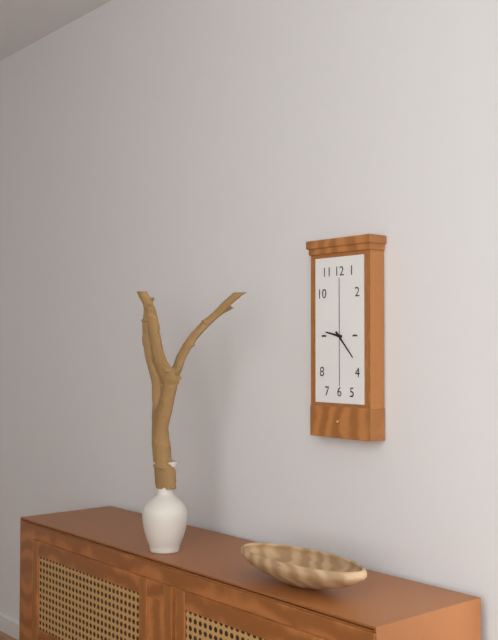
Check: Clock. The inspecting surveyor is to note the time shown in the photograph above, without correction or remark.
9:23
